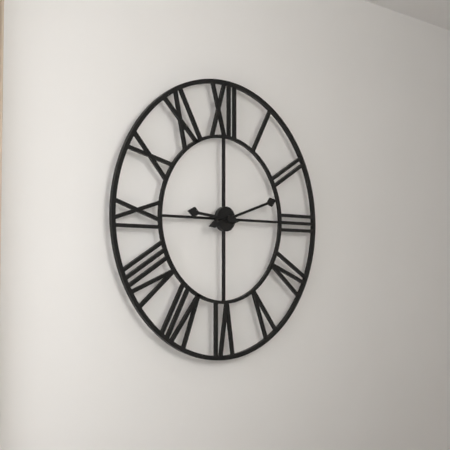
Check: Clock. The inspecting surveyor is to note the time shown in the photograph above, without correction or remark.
9:12
